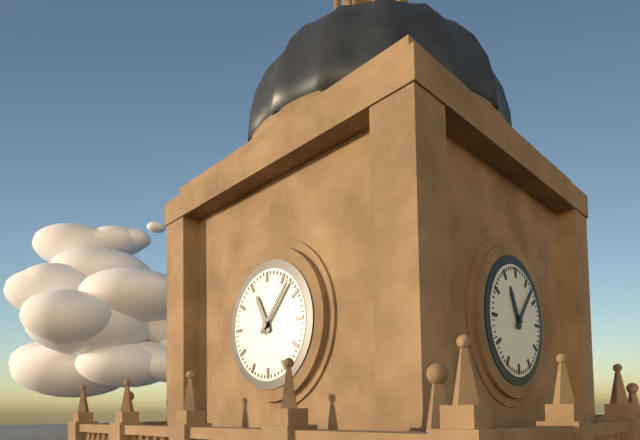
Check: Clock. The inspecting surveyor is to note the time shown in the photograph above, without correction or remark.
11:07
